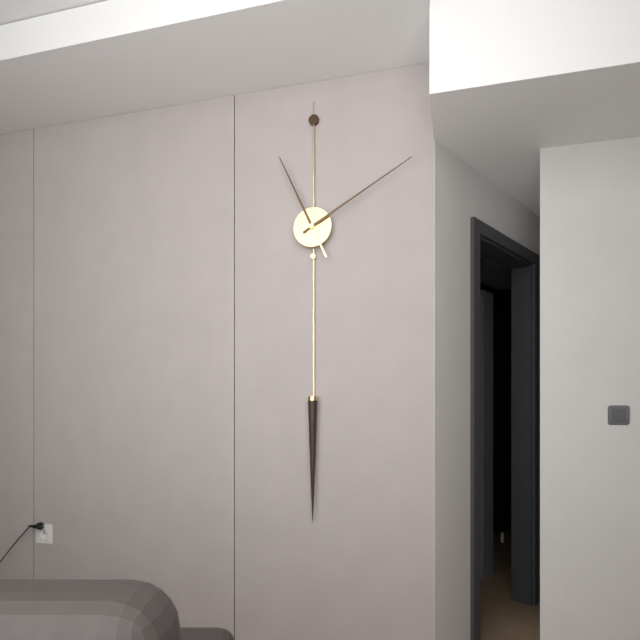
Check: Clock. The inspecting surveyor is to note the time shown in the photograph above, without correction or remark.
11:10
